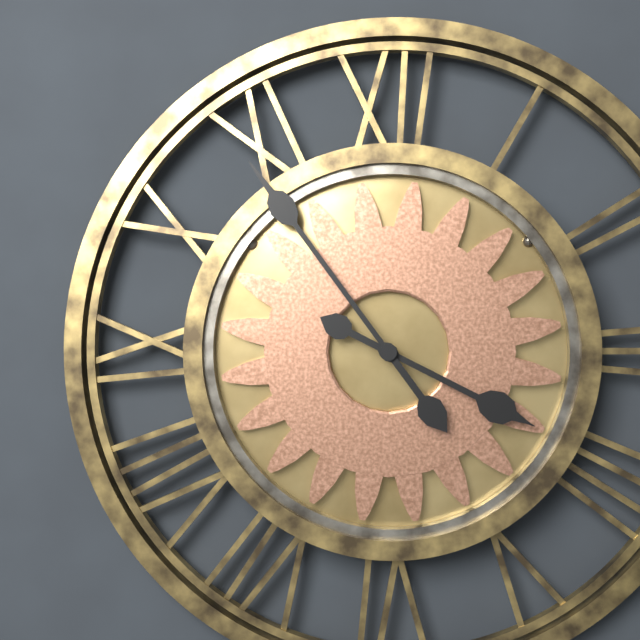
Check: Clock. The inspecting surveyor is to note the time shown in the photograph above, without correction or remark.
3:54
